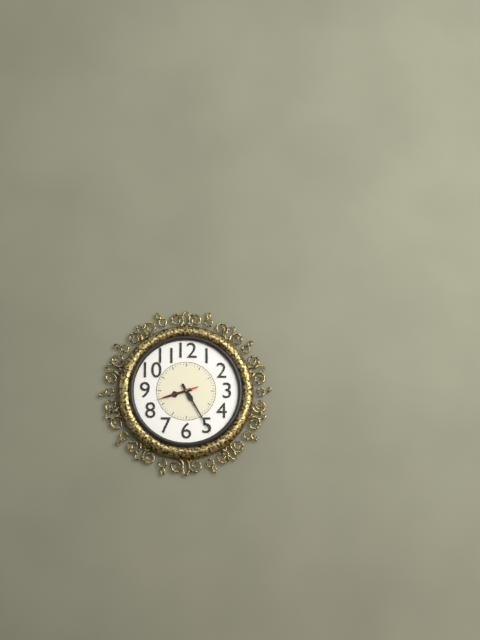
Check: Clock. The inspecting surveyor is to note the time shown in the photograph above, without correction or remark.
8:25
